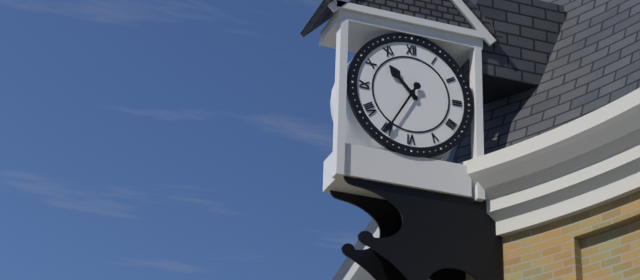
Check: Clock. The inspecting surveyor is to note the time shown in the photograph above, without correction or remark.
10:35
